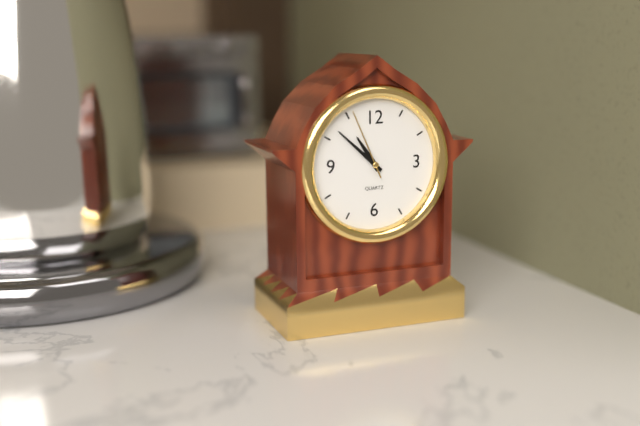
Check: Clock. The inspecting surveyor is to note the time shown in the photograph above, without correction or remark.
10:52:56
